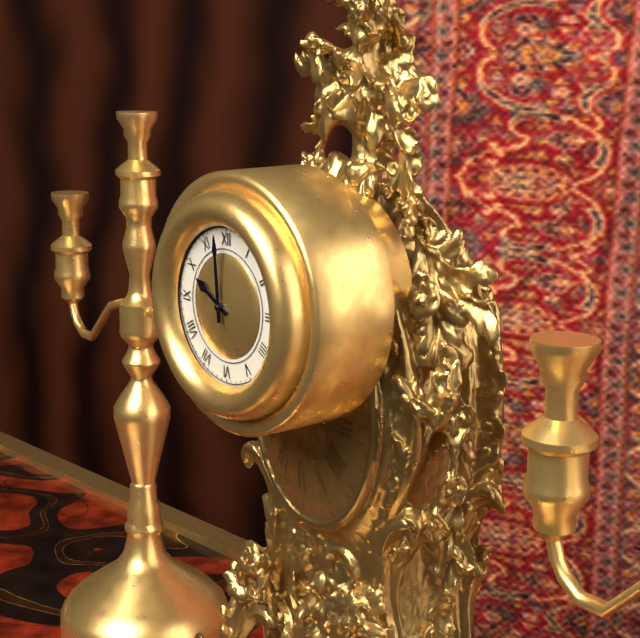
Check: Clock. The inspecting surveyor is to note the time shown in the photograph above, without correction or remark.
9:59
